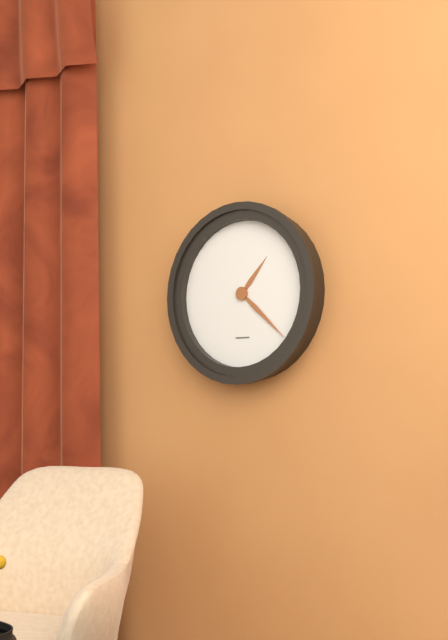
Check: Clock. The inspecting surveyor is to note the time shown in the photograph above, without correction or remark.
1:22
